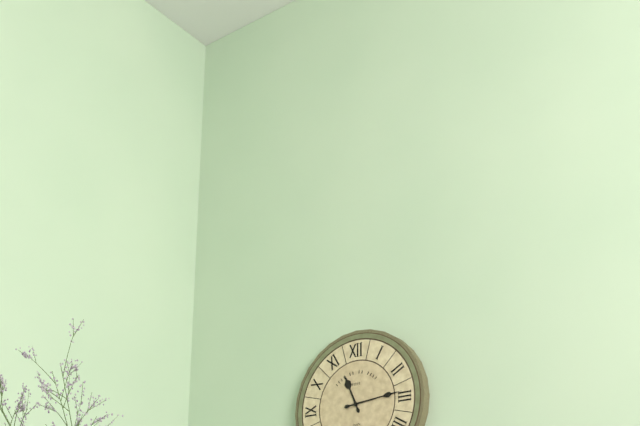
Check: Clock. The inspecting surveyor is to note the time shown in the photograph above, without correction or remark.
11:14
